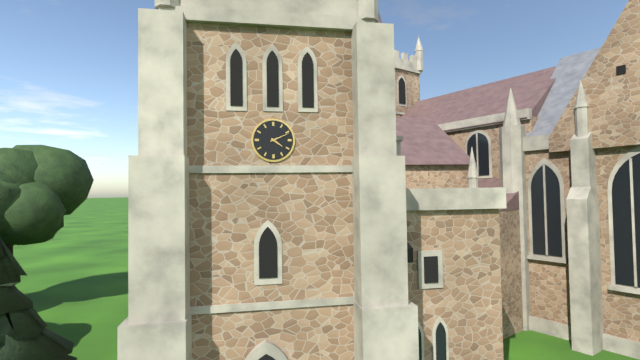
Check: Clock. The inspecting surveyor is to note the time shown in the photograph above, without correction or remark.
4:11
